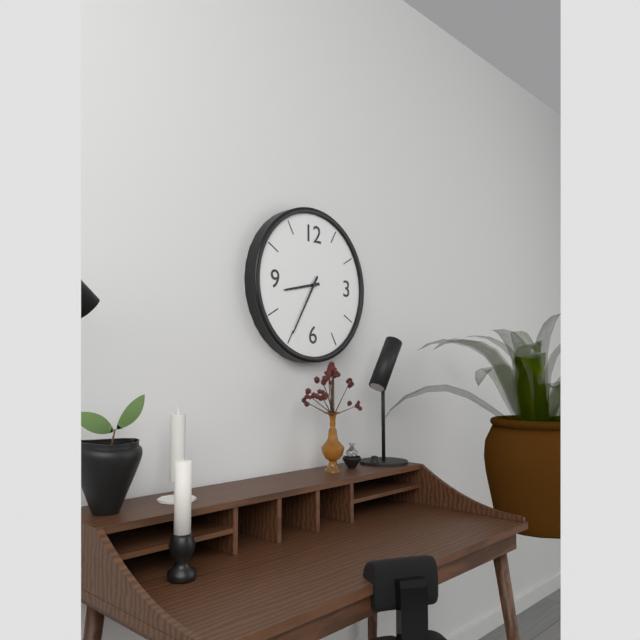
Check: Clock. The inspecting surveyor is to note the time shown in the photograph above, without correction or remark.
8:35
